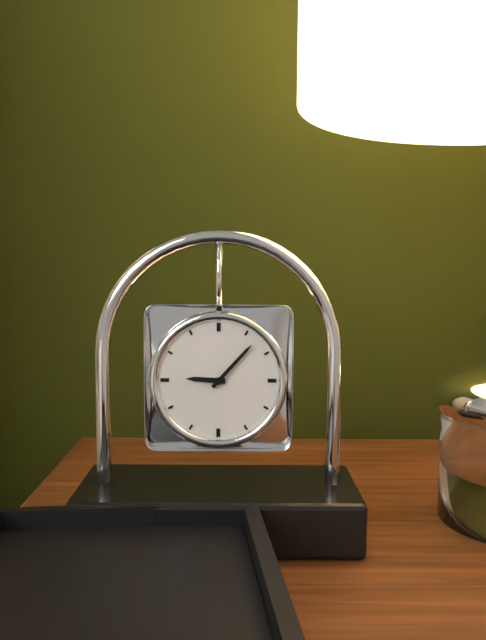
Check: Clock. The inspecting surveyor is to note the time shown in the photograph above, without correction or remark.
9:07
